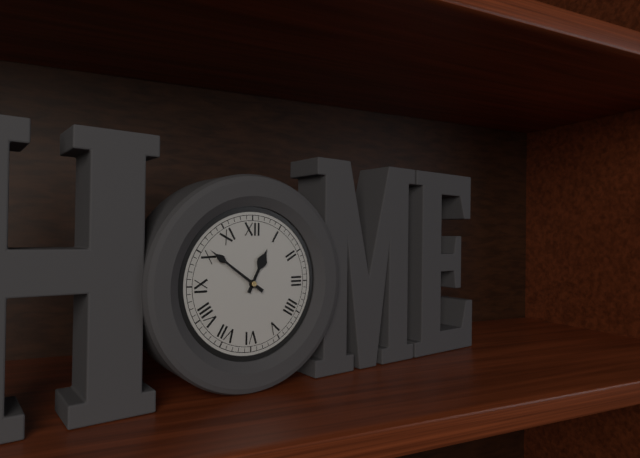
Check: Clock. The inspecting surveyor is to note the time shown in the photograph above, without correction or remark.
12:51
